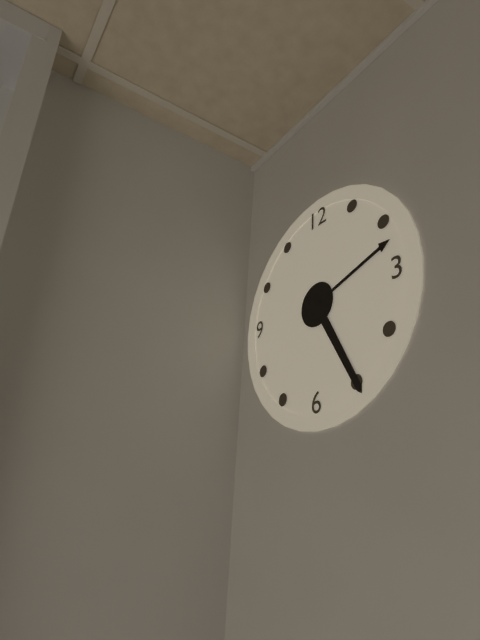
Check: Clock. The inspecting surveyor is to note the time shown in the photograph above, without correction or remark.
2:25
